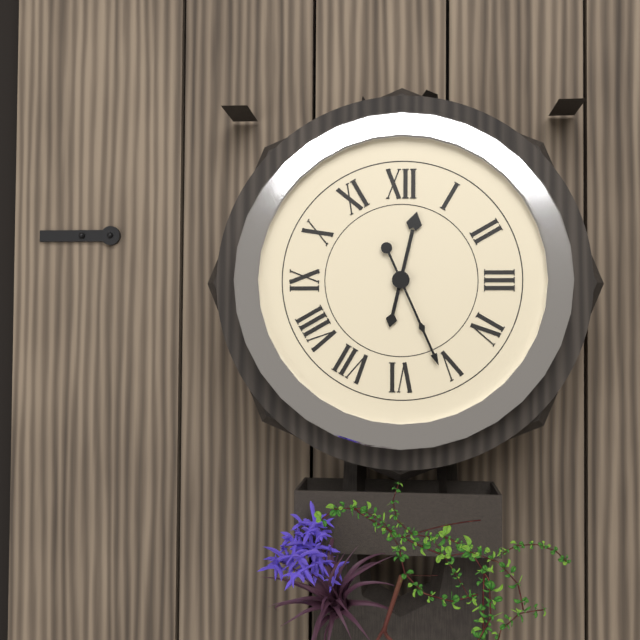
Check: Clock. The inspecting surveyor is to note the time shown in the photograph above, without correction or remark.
12:26
